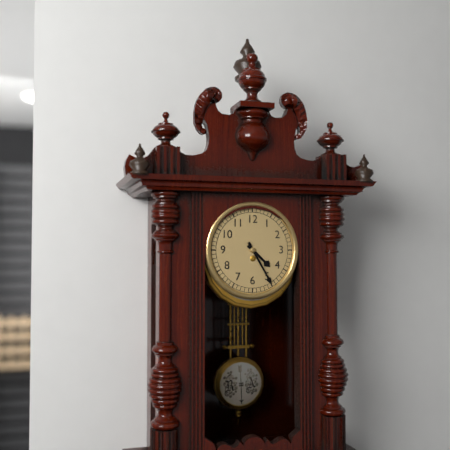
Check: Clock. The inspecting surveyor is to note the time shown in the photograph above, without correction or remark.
4:25
